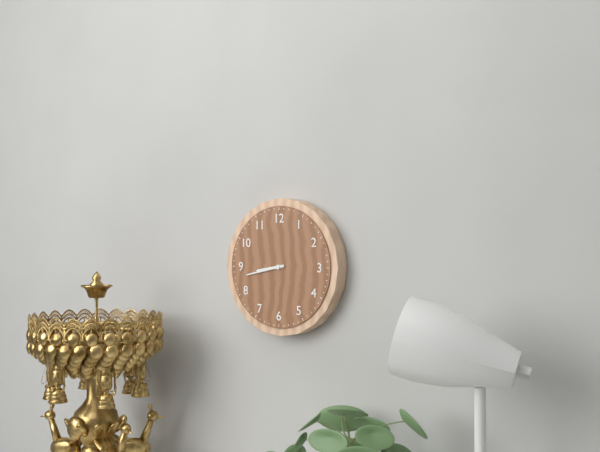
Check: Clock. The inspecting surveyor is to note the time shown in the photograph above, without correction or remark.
8:43
